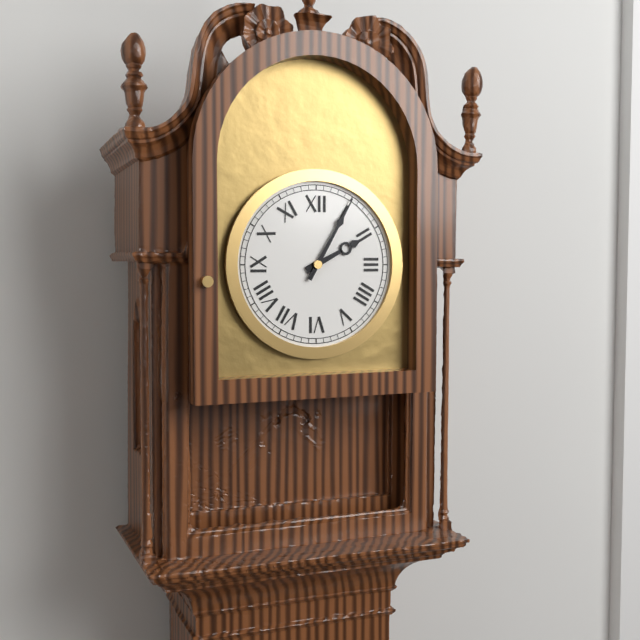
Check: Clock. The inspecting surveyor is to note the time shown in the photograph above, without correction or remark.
2:05
